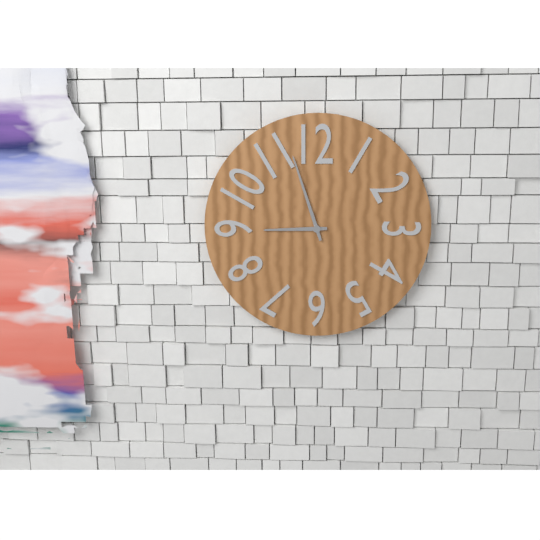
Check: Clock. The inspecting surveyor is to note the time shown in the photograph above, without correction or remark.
8:57
